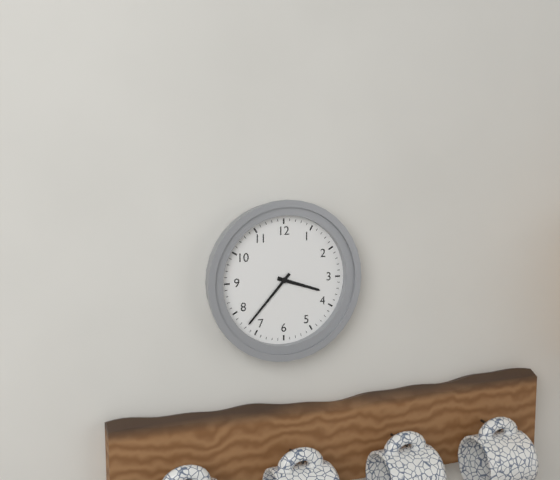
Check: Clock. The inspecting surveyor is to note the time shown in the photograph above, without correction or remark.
3:37
